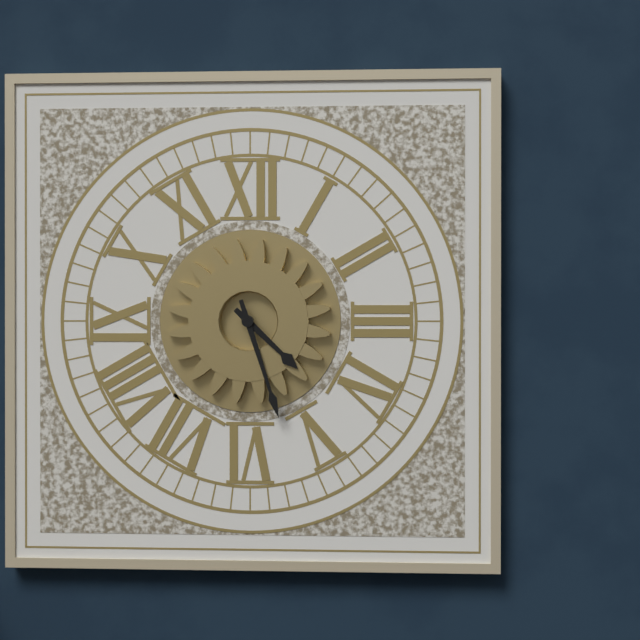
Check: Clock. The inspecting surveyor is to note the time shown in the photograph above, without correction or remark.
4:27
